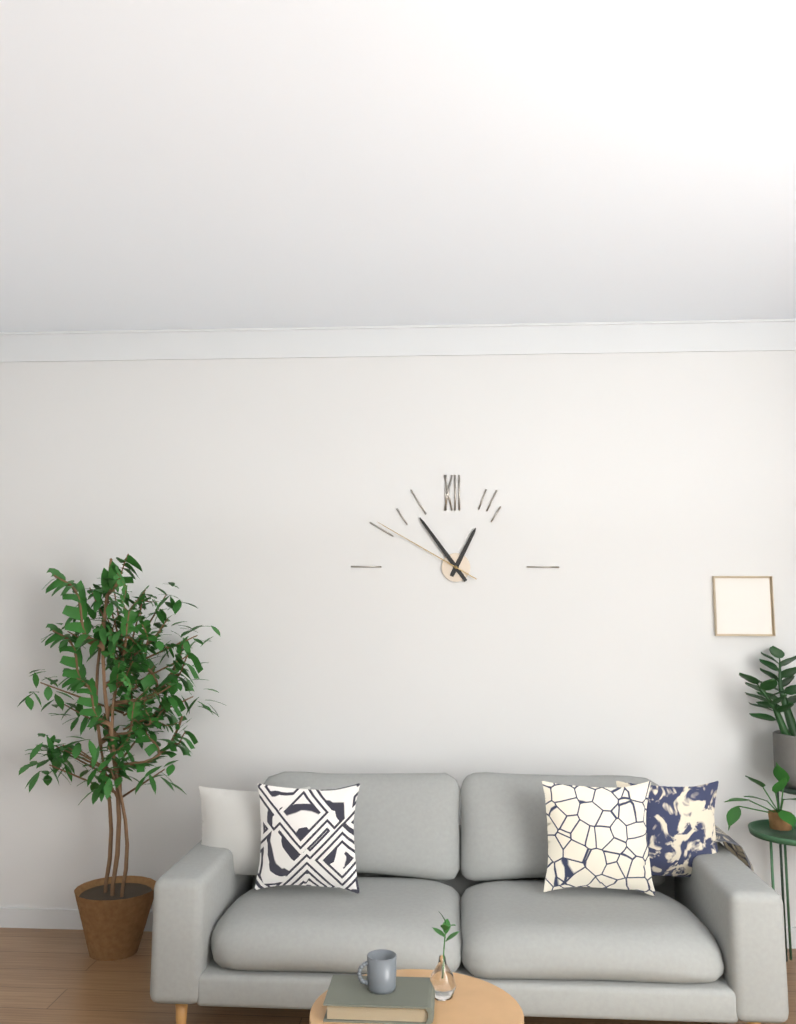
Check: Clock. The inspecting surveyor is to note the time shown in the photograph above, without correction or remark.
12:54:50
